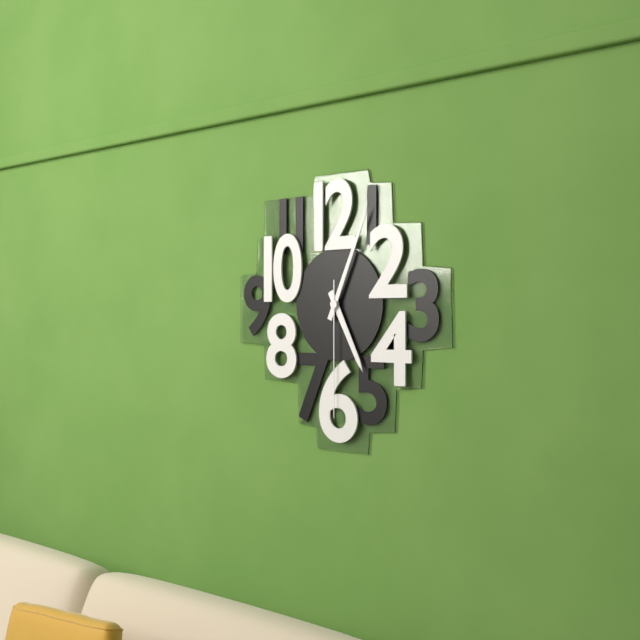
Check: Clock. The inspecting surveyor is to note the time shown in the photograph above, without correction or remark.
5:04:30
